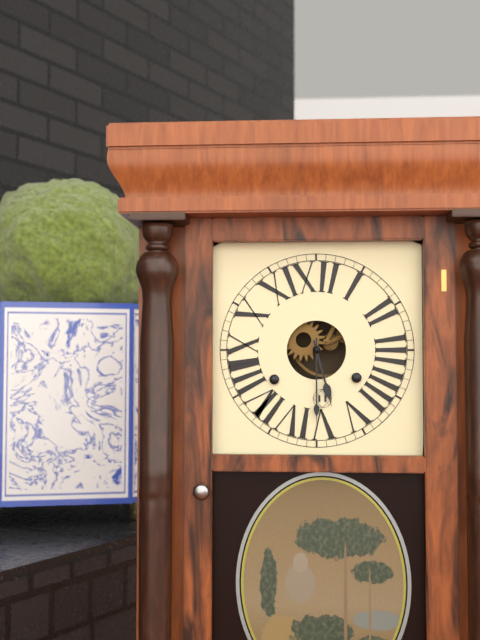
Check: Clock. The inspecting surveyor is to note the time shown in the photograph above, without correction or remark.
5:30
